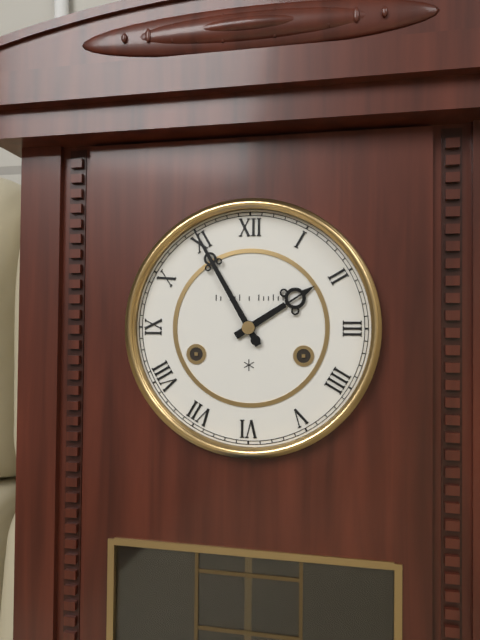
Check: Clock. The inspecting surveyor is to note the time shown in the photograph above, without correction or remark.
1:55
